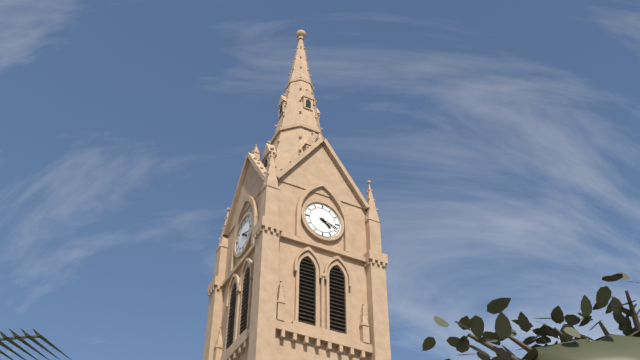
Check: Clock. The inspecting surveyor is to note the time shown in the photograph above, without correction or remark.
4:18
